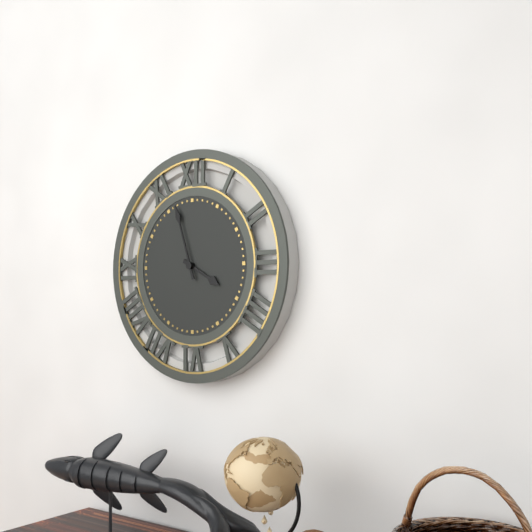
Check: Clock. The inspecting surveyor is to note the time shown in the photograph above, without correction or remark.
3:57
